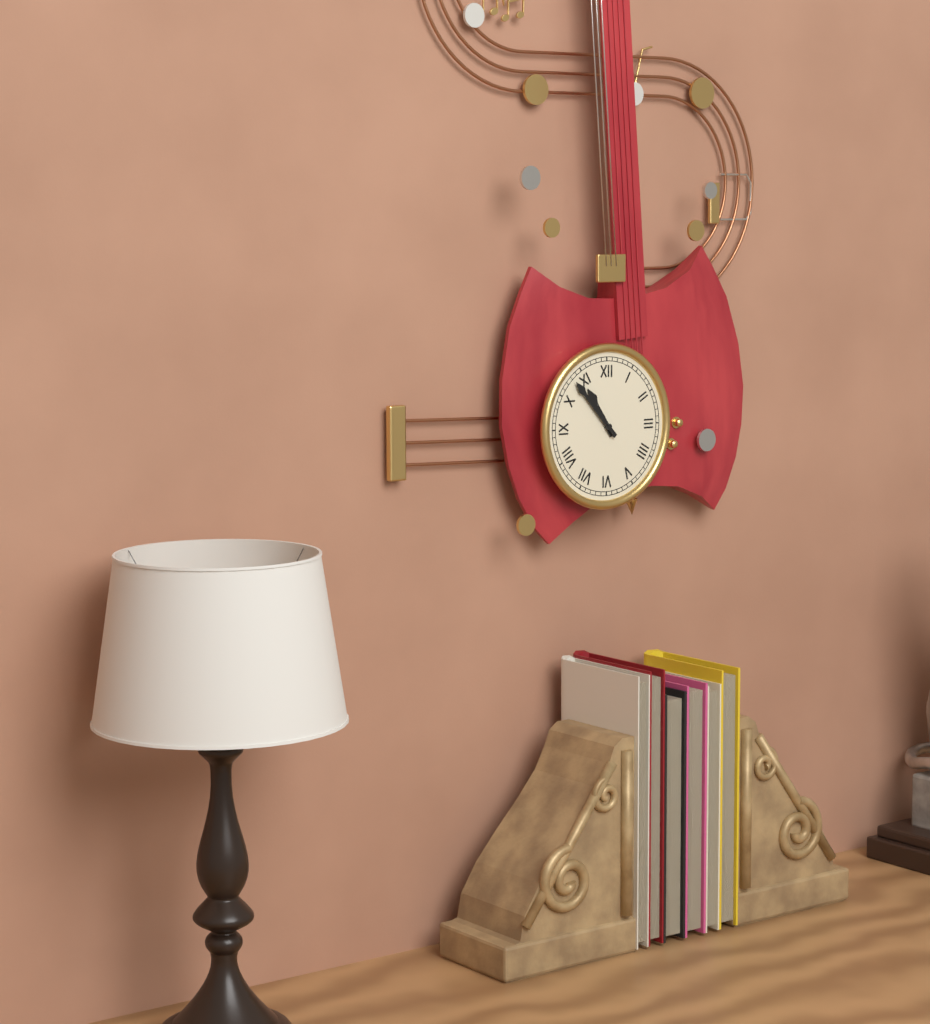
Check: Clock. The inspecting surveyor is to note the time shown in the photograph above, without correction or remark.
10:53
